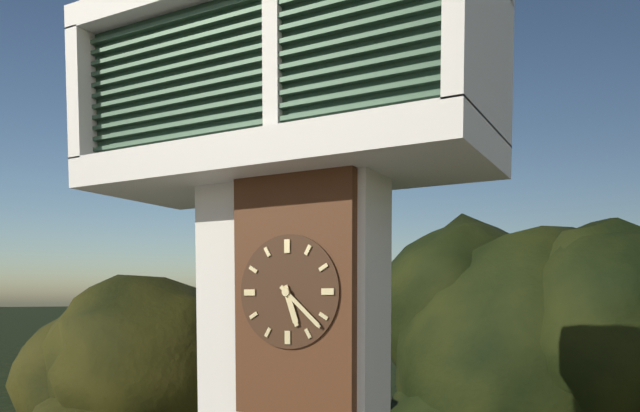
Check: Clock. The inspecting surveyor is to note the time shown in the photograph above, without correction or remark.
5:22
